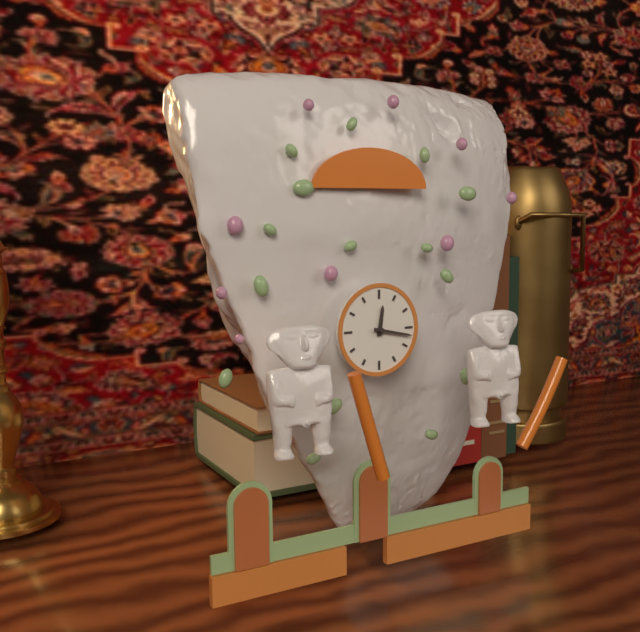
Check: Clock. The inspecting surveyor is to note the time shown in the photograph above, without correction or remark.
12:17
